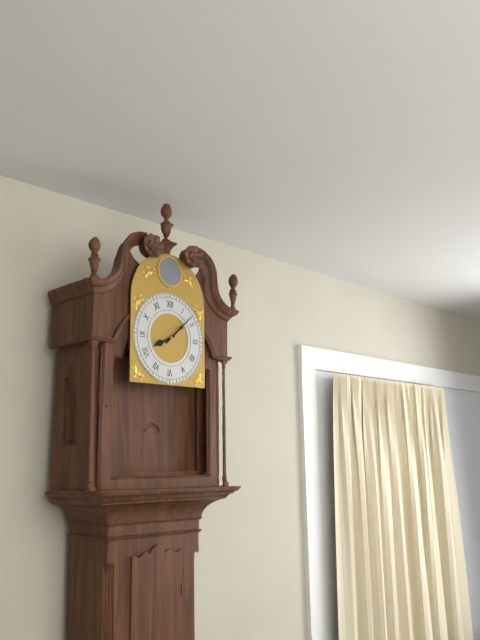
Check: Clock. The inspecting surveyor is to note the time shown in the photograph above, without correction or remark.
8:08
